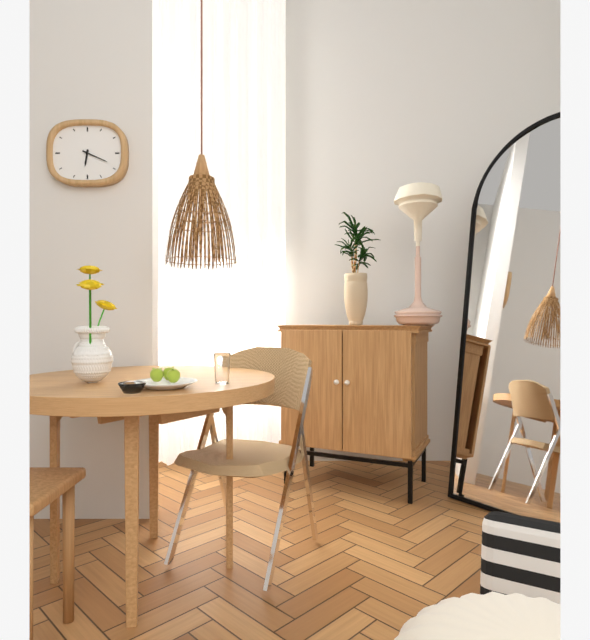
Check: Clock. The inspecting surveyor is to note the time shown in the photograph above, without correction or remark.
6:19
